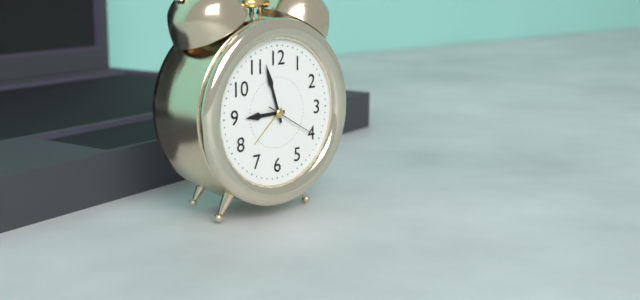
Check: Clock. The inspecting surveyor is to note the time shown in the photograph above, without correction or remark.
8:57
